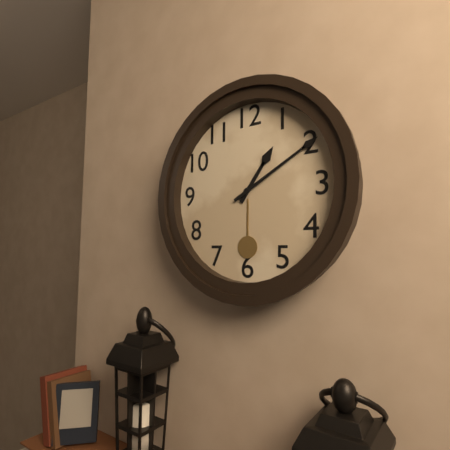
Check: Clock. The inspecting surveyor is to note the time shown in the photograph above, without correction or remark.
1:10
